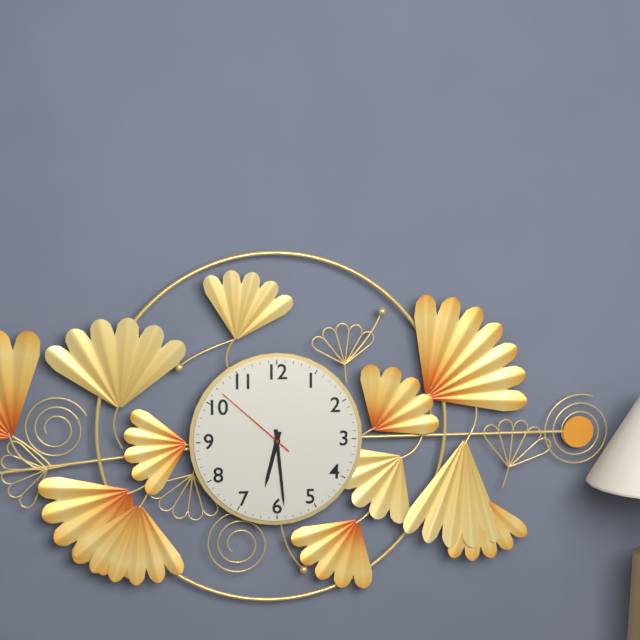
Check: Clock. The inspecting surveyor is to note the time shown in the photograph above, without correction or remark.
6:29:52
